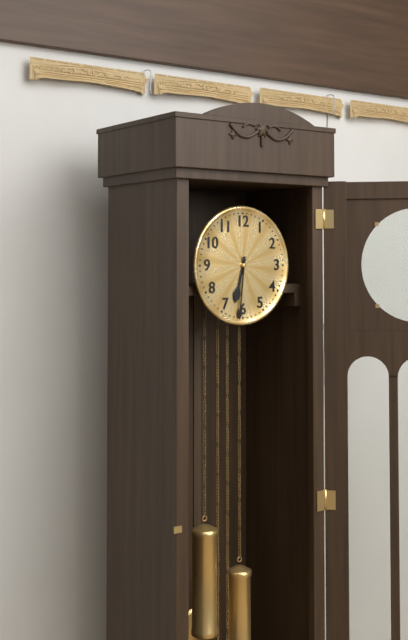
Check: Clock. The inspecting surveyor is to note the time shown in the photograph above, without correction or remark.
6:31
